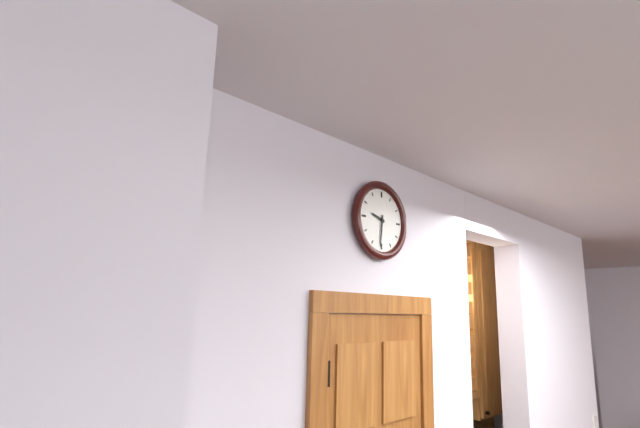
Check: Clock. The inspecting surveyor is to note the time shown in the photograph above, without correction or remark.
9:31
